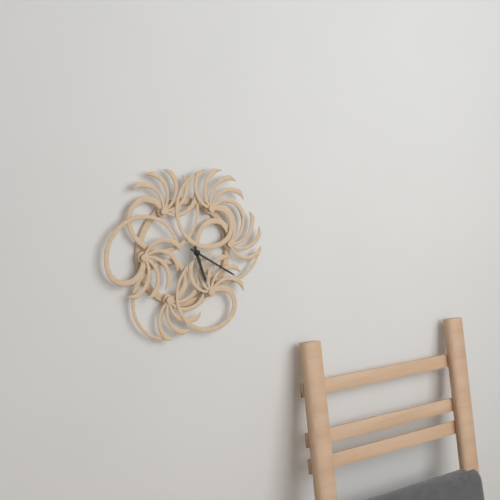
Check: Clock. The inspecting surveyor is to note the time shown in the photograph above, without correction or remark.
5:20
